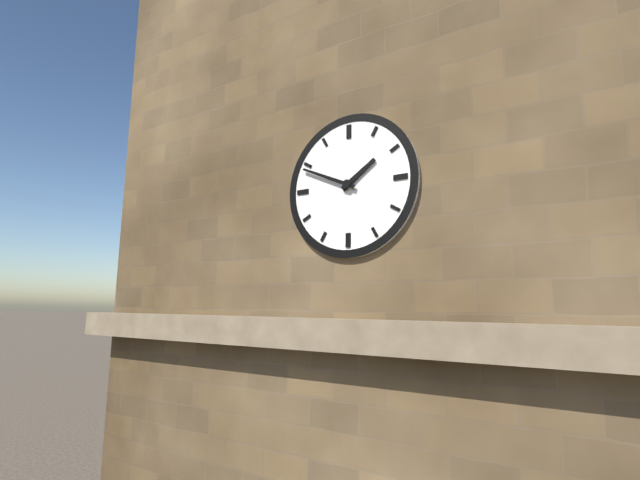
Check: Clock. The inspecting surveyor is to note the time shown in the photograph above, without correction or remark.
1:49
